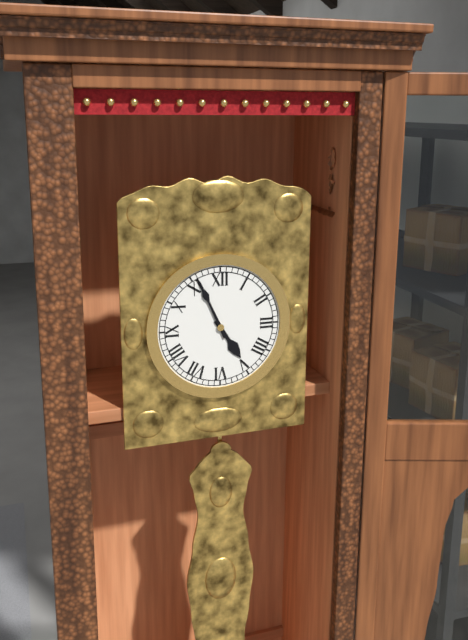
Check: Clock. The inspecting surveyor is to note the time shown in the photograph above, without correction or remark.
4:56
